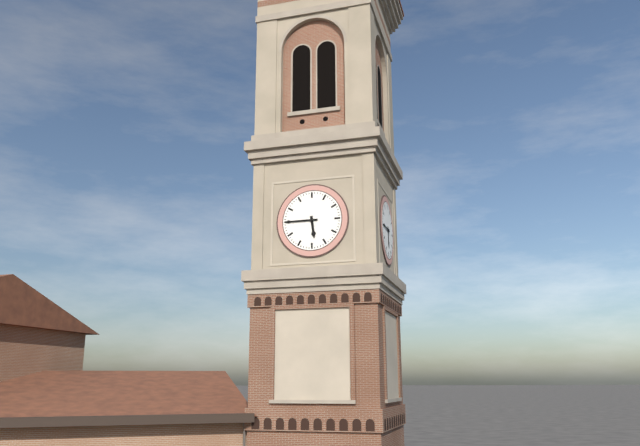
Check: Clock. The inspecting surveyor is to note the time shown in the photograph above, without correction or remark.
5:45
